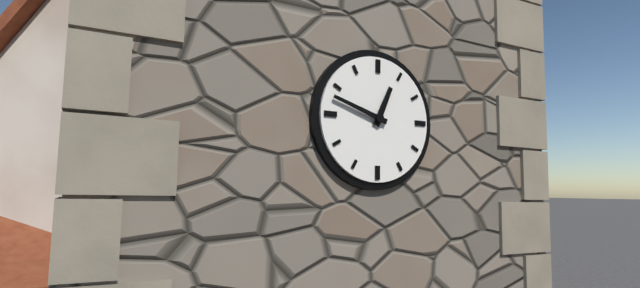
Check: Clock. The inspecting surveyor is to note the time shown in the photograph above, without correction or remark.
12:48
